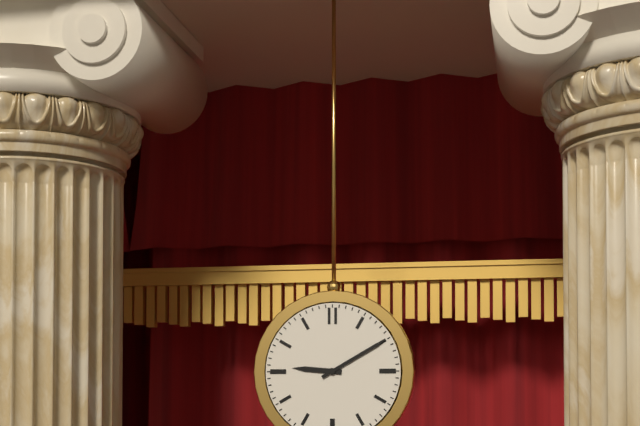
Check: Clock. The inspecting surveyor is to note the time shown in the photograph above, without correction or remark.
9:10
